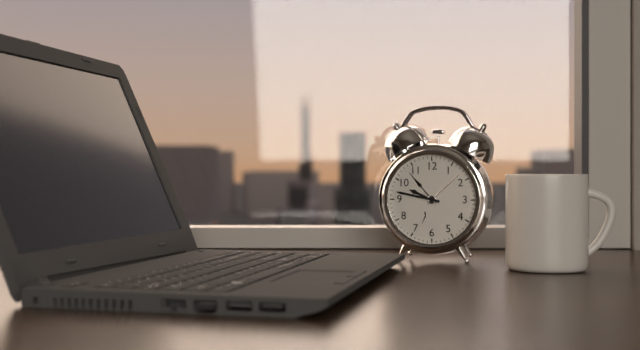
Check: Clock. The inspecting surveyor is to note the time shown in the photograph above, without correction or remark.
9:47
